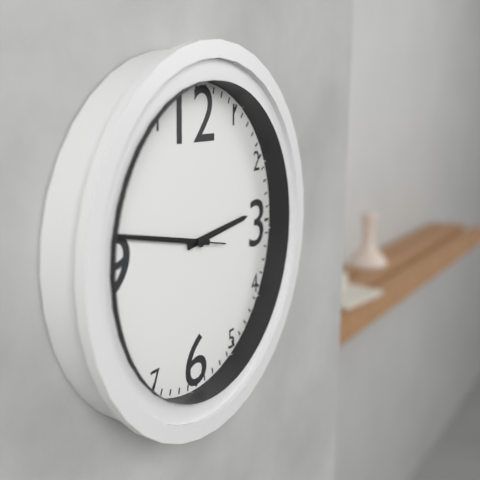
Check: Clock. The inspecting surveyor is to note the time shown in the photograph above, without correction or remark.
2:47:47
